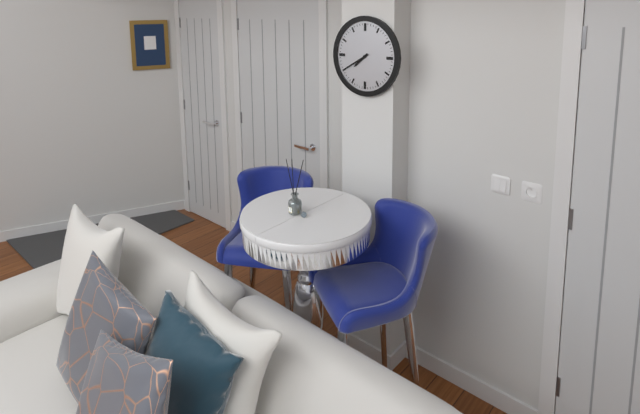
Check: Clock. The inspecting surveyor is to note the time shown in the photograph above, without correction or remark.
7:40
